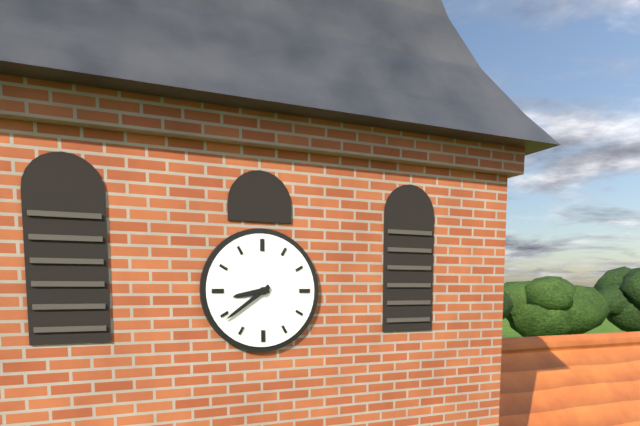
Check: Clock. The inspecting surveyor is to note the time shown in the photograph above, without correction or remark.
8:39
